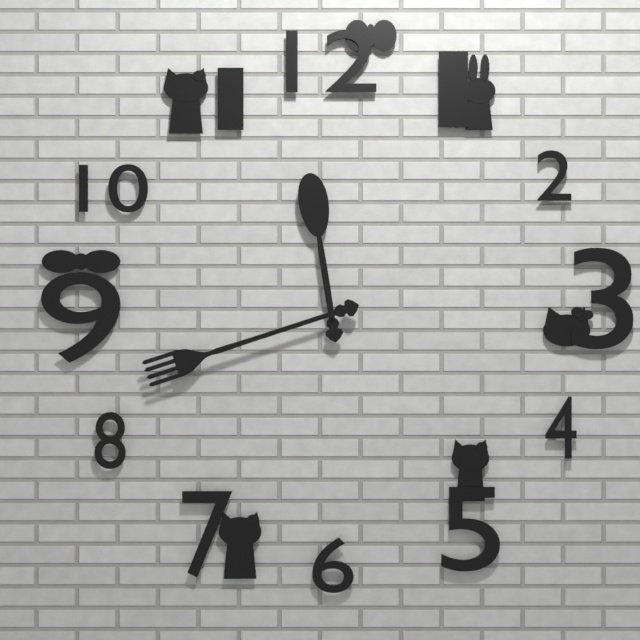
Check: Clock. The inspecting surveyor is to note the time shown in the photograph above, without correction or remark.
11:42
